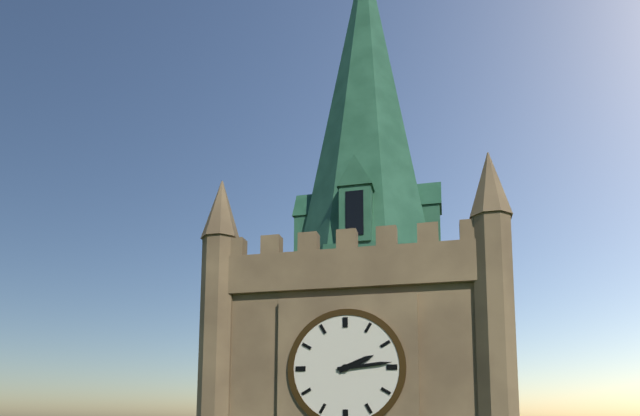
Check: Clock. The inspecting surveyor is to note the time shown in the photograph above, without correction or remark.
2:14
